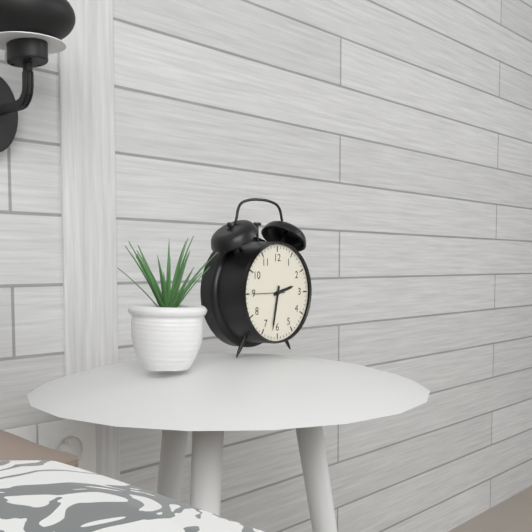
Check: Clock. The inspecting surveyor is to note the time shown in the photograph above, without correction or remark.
2:32
